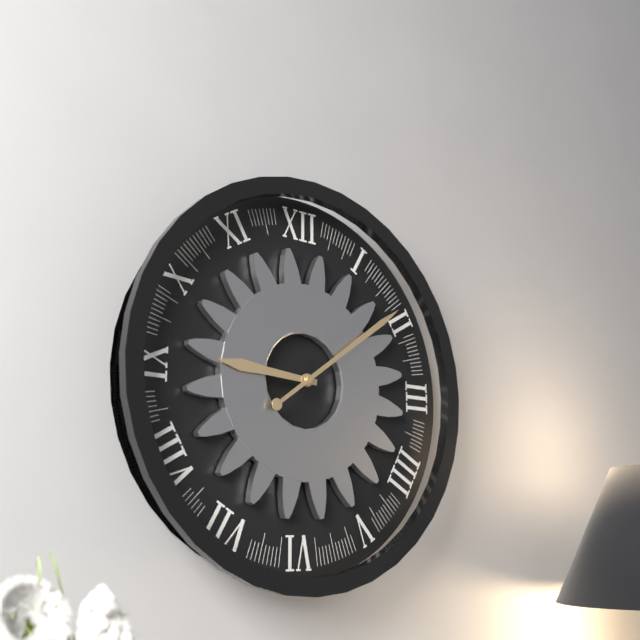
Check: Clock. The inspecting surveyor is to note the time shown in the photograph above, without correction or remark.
9:09
